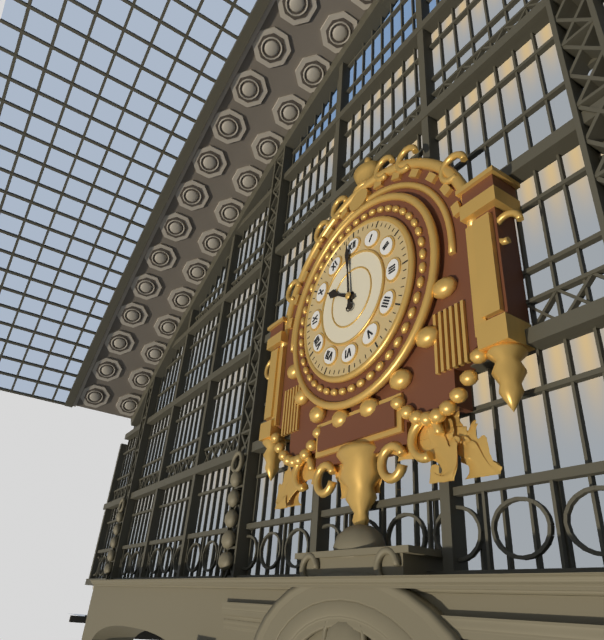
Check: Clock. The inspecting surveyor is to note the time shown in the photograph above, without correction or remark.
9:59
